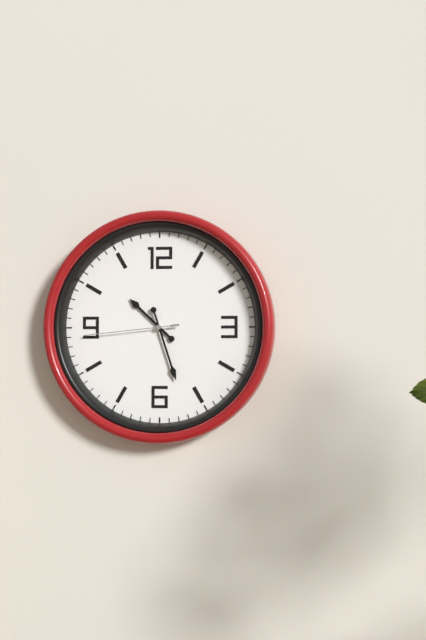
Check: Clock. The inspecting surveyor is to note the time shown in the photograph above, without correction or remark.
10:27:44
